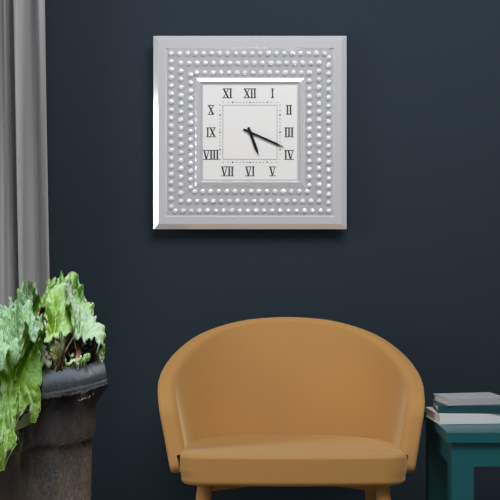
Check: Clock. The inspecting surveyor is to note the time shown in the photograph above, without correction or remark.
5:19
